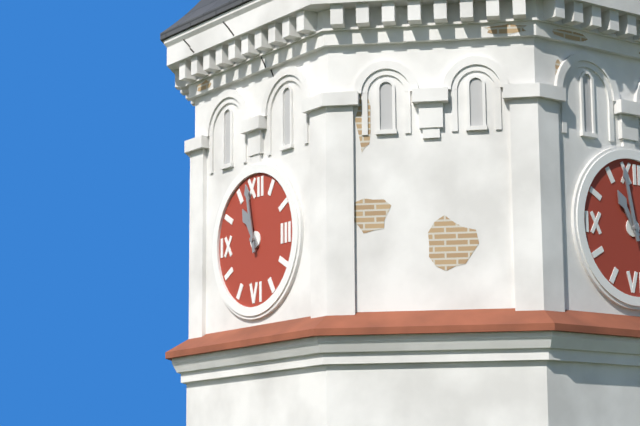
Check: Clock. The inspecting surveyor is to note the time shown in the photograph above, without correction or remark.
10:58
